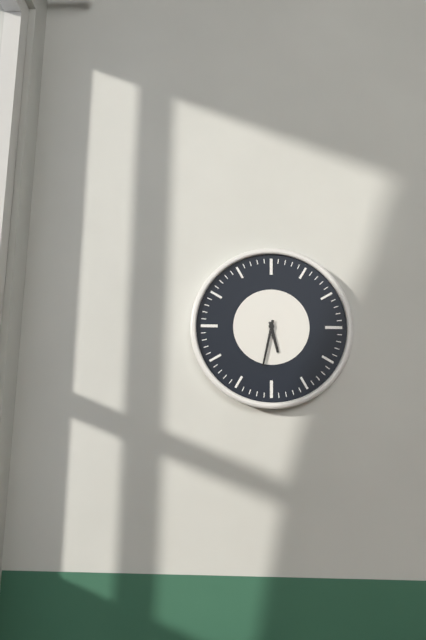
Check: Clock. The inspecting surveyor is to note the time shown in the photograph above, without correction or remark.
5:32
